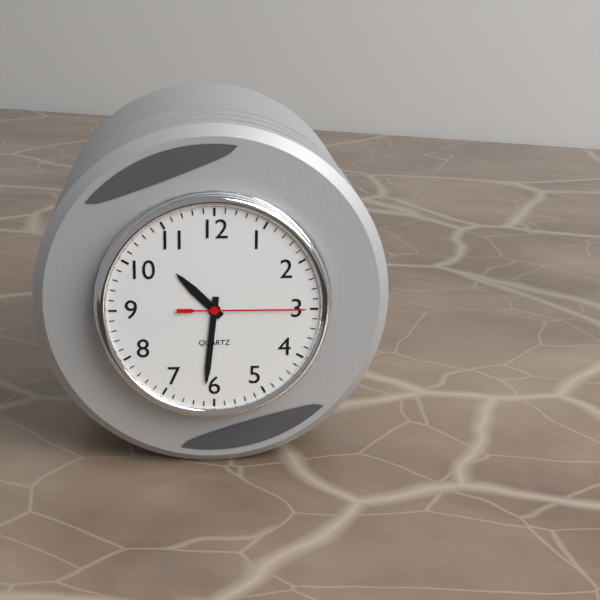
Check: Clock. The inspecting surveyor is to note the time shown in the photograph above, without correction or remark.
10:31:15
